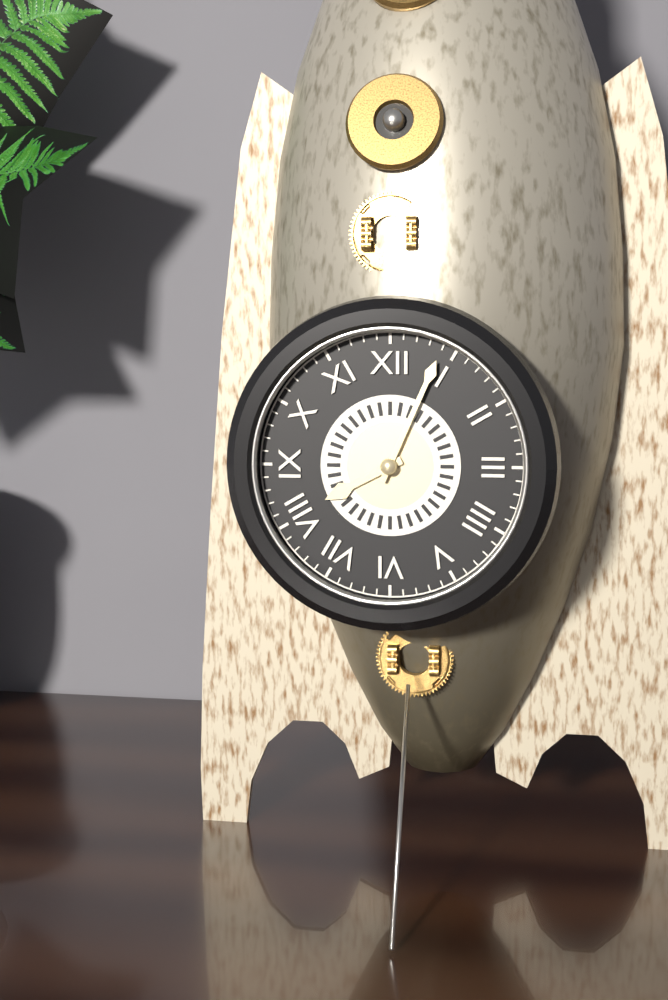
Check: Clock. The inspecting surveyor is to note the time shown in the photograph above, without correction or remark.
8:04
